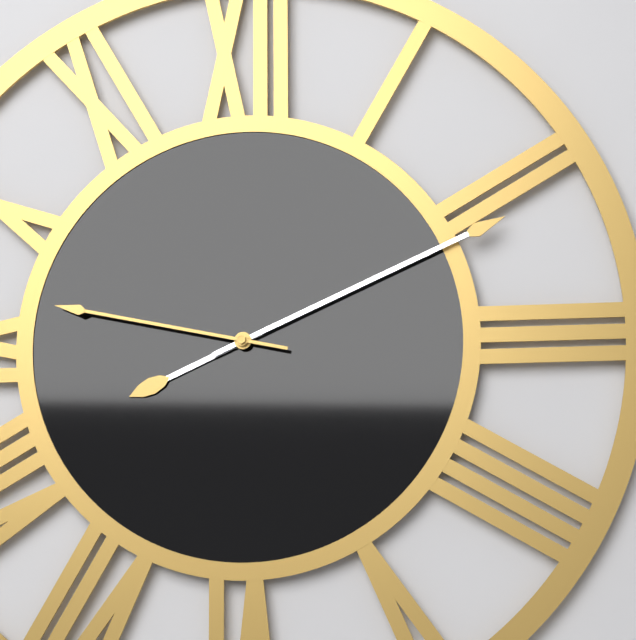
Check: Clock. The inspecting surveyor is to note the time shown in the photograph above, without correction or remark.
8:11:47
